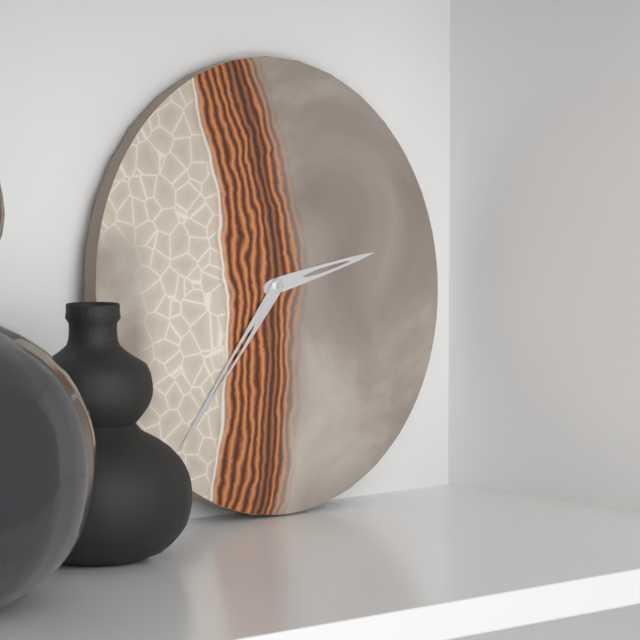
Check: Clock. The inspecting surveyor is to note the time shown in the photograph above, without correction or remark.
2:37
